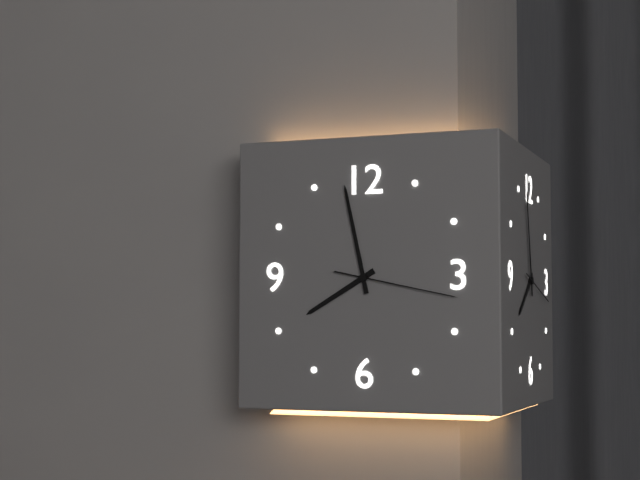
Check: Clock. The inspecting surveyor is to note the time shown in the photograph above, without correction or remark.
7:58:17
